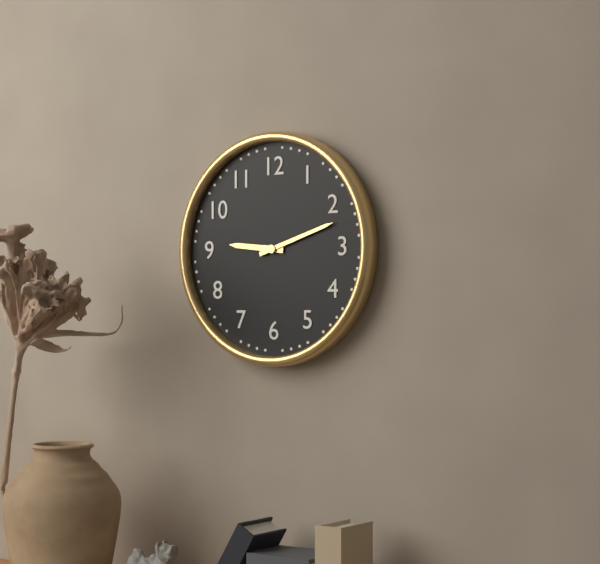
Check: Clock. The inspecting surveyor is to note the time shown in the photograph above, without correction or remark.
9:12
